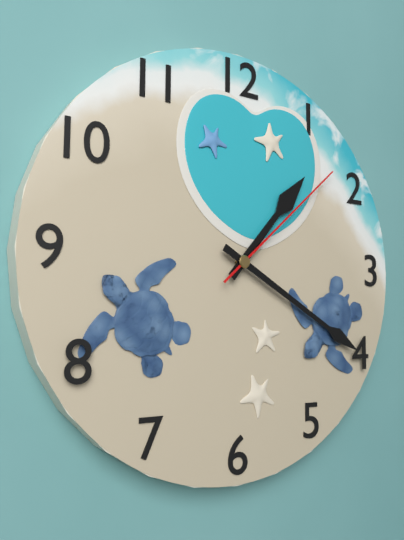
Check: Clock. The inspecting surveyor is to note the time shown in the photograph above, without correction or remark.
1:20:08
